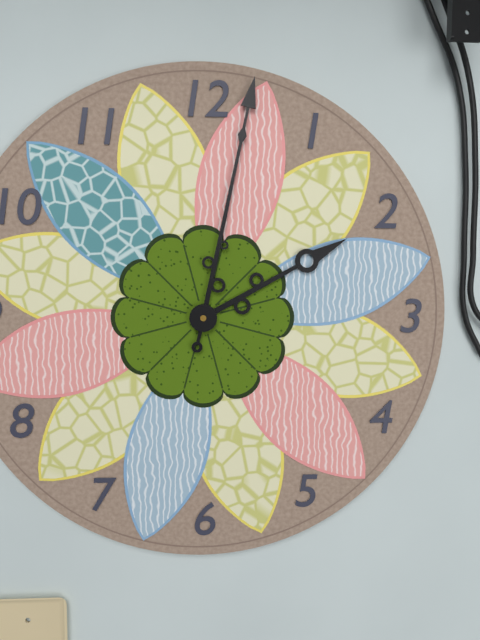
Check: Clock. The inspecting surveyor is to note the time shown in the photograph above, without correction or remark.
2:02
